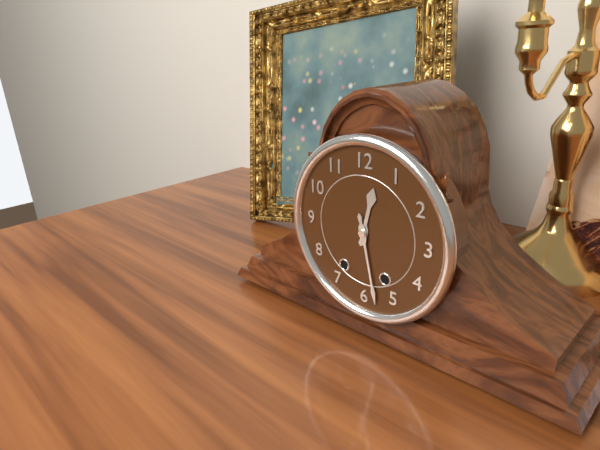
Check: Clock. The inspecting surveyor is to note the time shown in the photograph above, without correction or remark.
12:28
